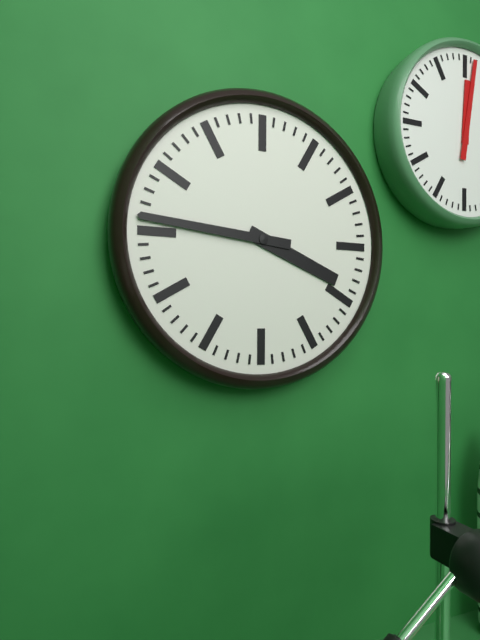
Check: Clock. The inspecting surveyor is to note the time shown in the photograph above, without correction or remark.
3:46
